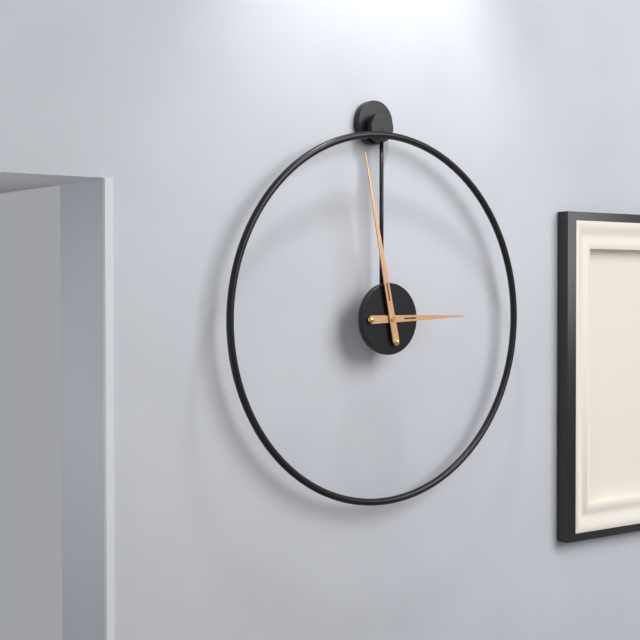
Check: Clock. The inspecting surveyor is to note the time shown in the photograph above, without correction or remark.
2:58
